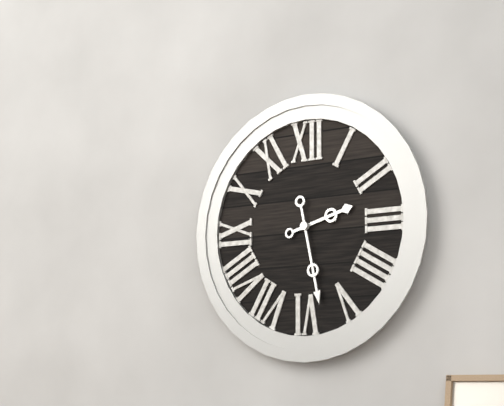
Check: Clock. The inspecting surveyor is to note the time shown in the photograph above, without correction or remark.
2:28
